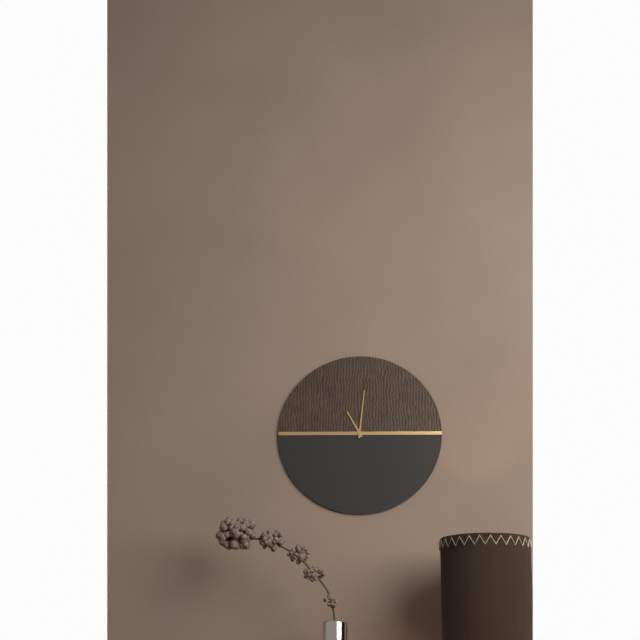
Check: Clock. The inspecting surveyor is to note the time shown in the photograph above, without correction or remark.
11:01
